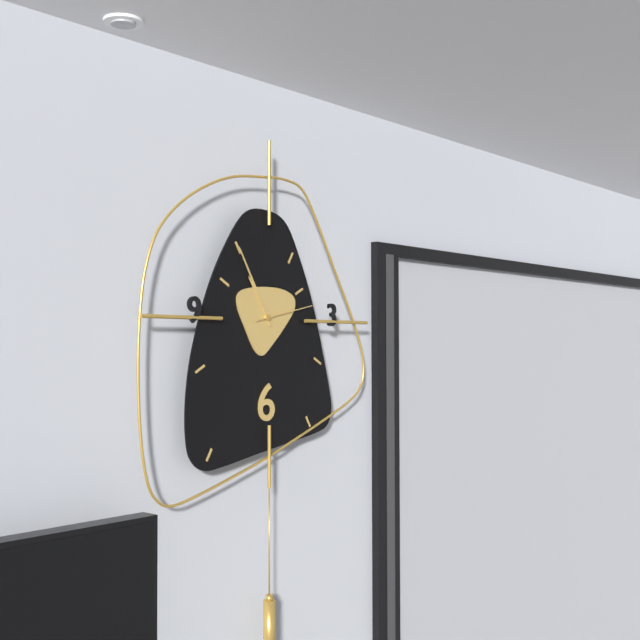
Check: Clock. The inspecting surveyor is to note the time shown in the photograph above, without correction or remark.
10:55:13
